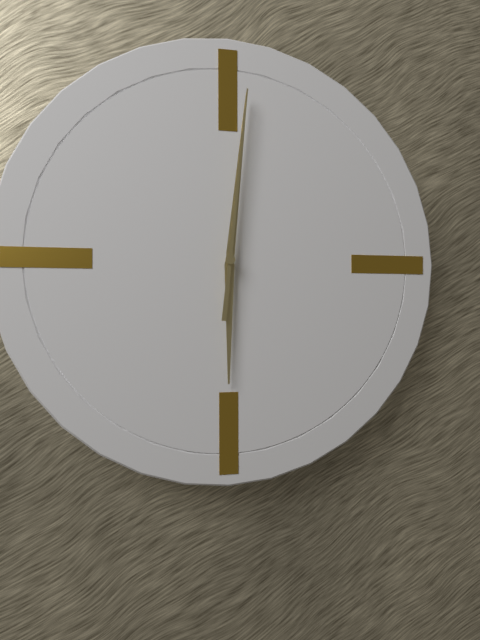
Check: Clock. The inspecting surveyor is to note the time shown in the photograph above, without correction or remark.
6:01:01
